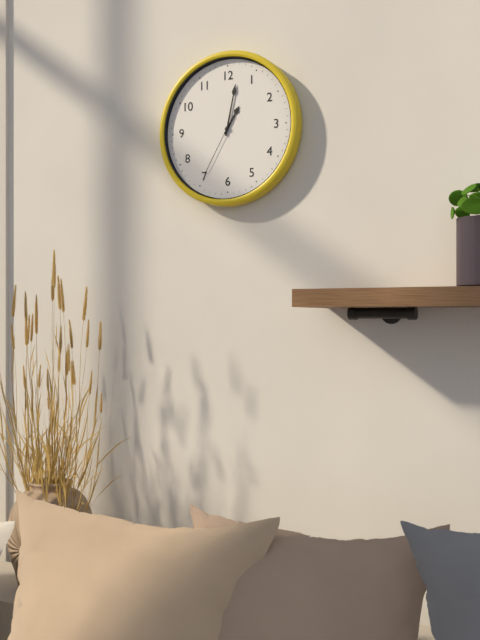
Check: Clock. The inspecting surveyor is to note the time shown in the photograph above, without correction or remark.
1:02:35
